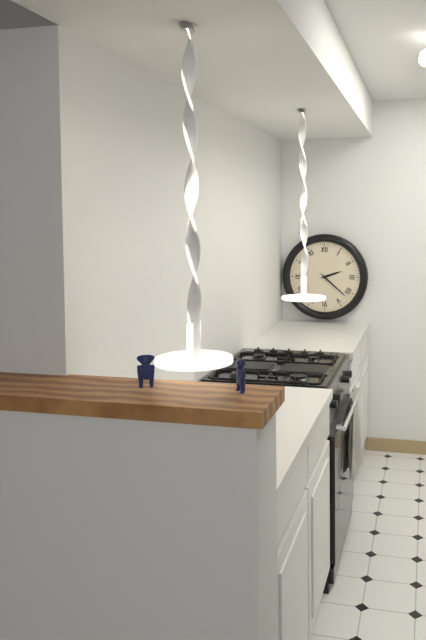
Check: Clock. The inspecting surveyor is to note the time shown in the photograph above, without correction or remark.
2:22
